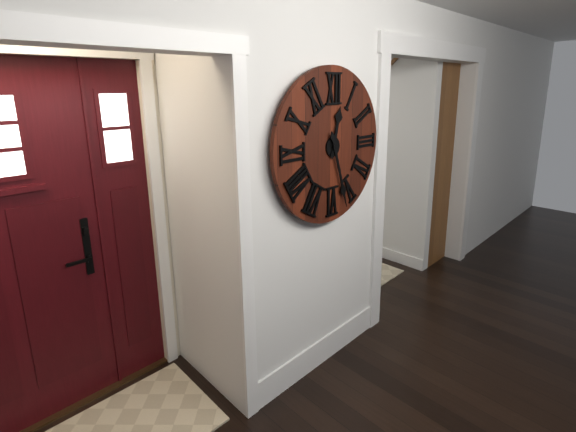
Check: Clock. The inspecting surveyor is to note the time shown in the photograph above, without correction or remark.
12:27
